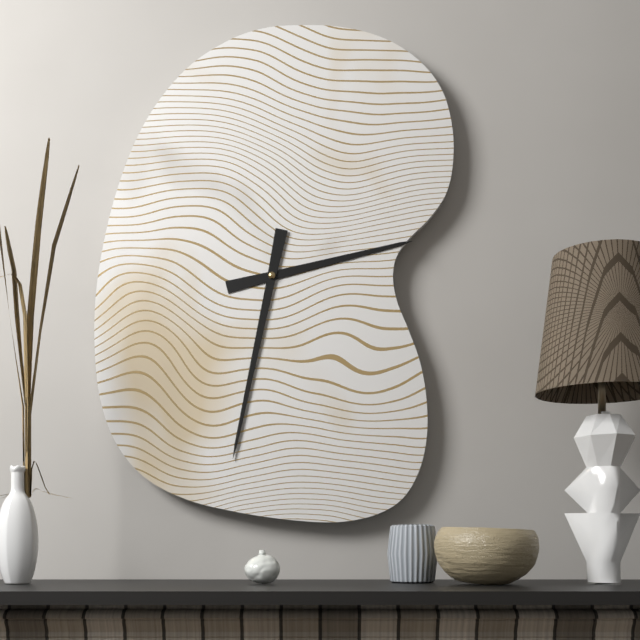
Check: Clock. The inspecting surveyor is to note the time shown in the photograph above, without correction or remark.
2:32
